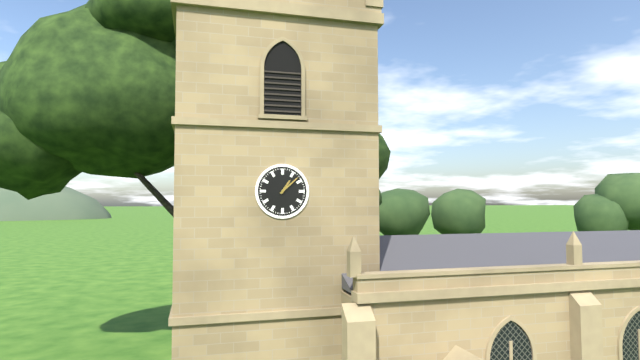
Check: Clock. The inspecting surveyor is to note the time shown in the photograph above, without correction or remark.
1:08
